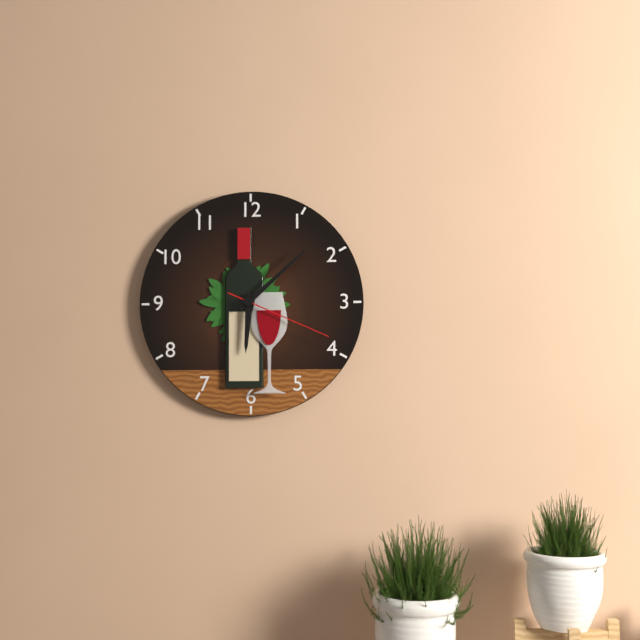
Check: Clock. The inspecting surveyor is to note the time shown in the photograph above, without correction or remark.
6:08:19
